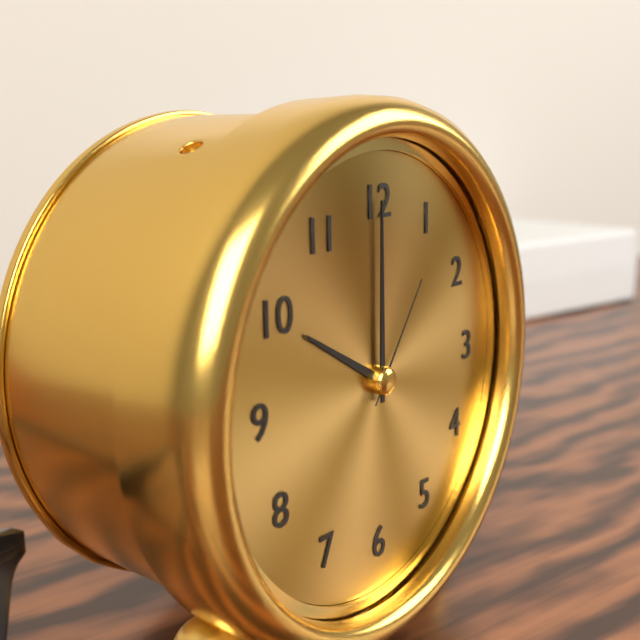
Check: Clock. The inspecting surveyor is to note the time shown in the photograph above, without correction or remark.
10:00:06
